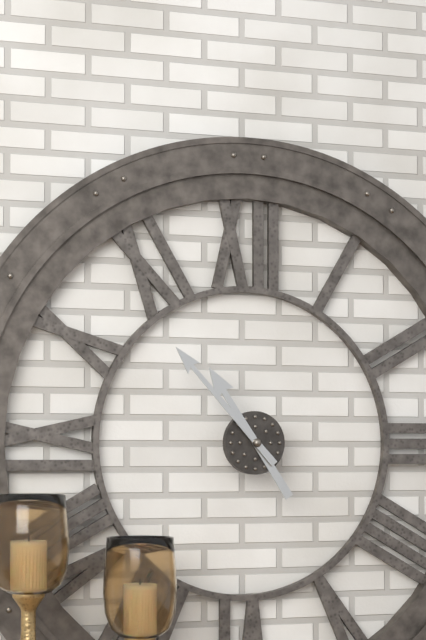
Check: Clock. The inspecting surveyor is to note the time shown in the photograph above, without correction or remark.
10:53
